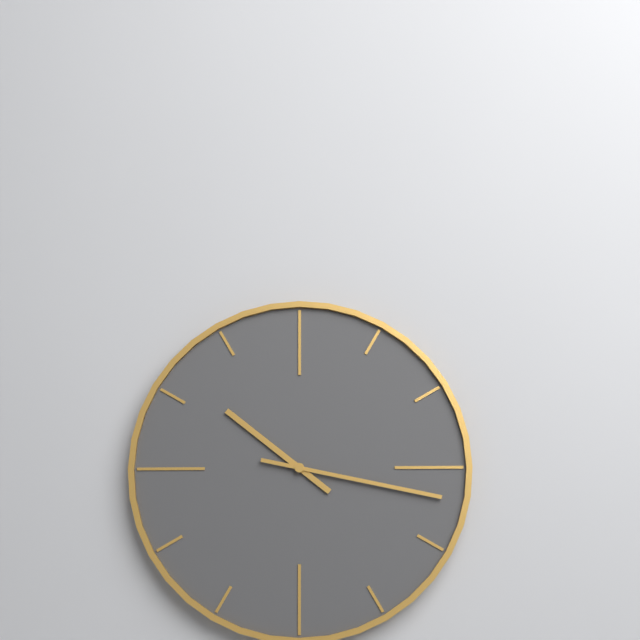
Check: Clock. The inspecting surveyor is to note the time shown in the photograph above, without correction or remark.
10:17
